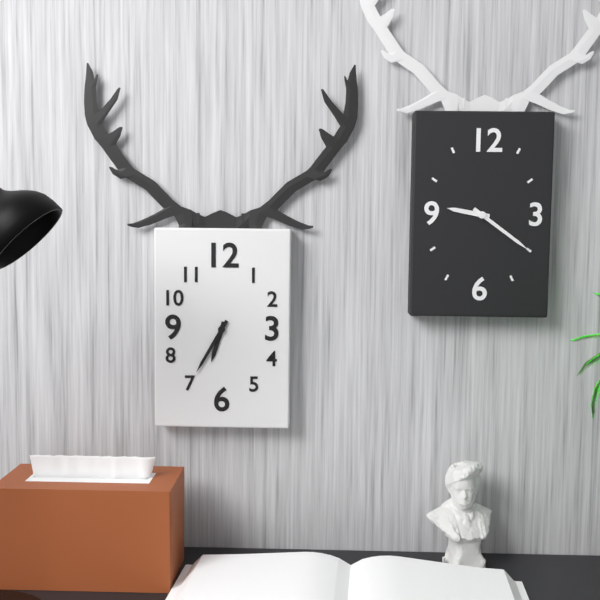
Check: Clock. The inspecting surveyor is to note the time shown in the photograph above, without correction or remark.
6:35
